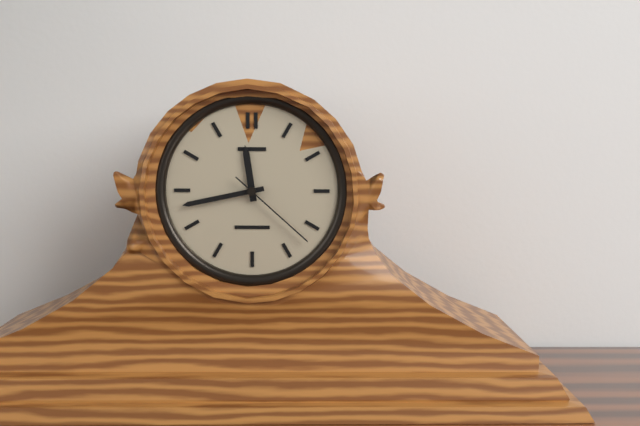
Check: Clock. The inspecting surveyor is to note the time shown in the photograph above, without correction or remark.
11:43:22
